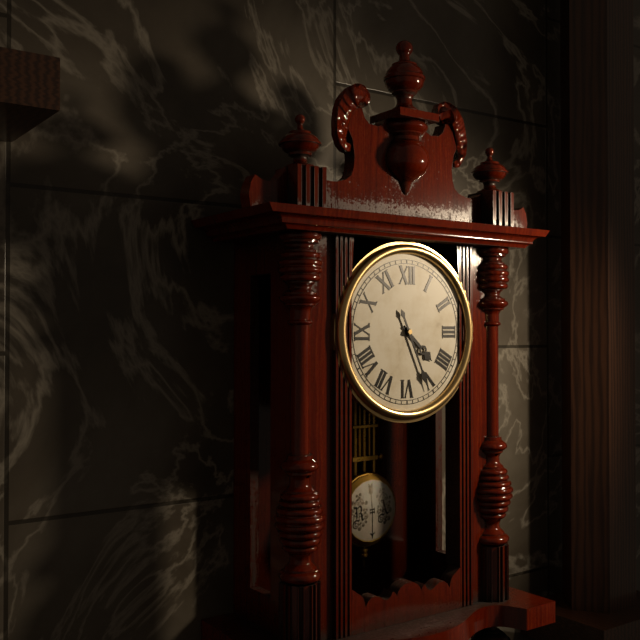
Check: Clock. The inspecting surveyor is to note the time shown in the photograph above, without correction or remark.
4:26
